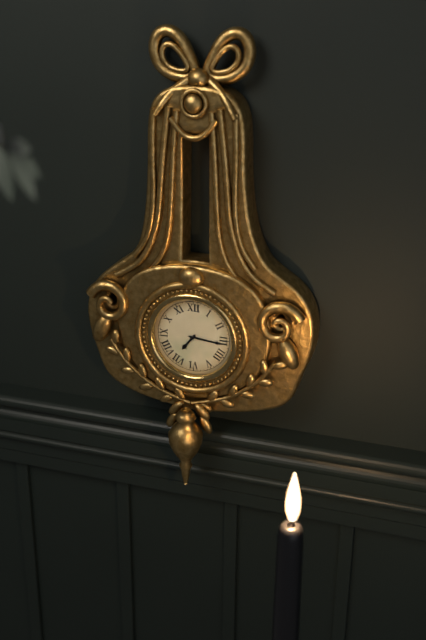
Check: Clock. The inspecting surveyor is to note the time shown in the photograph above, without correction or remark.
7:16
